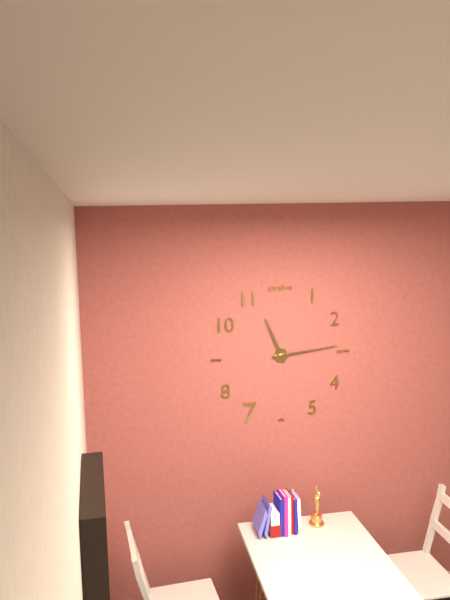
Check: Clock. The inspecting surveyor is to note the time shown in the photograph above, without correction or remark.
11:14
